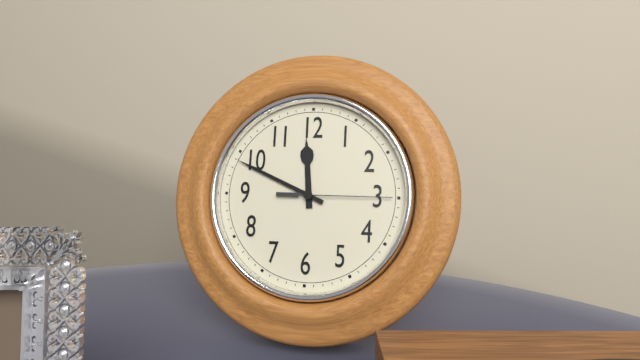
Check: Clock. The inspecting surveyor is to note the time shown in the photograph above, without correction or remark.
11:49:15
